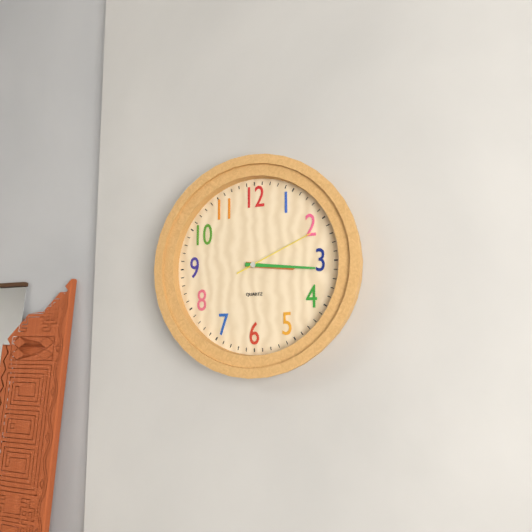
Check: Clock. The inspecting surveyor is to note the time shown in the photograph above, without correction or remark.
3:16:11
